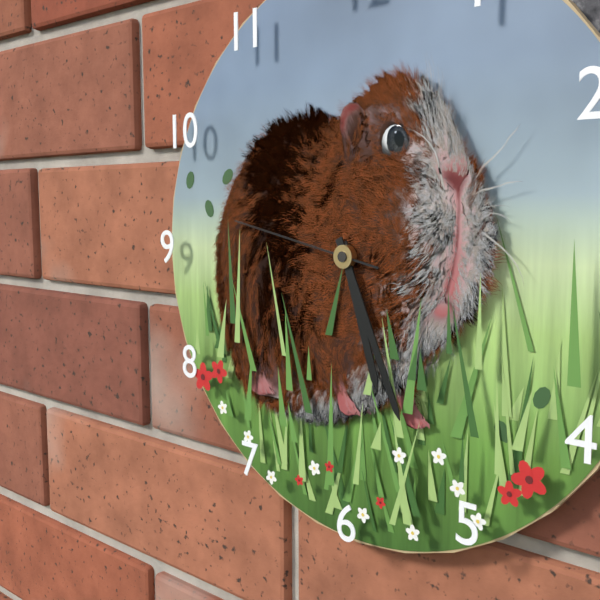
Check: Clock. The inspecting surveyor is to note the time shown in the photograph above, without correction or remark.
5:26:47
